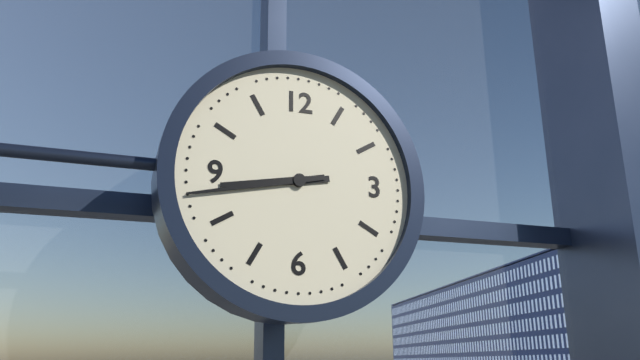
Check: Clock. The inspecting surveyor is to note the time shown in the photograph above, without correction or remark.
8:43
